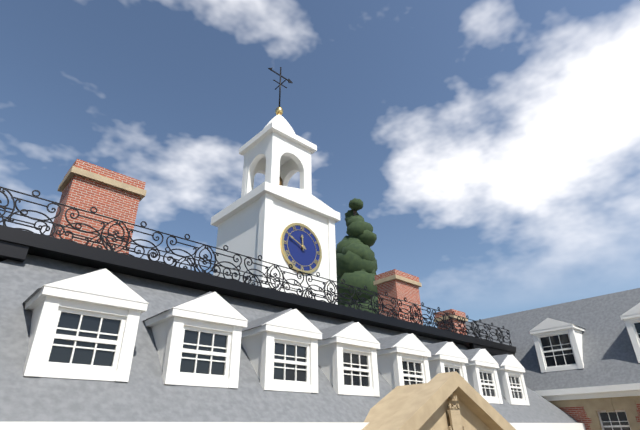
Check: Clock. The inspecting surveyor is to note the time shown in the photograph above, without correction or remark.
11:49
